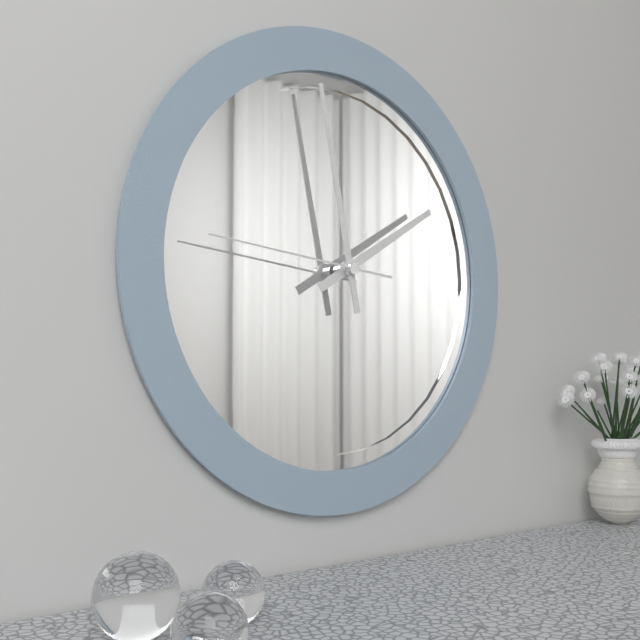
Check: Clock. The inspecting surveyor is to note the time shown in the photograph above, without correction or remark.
1:58:46
